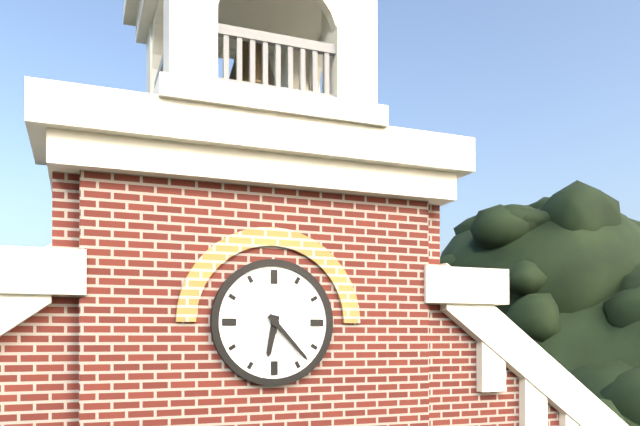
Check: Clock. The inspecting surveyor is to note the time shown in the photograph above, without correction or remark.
6:23
